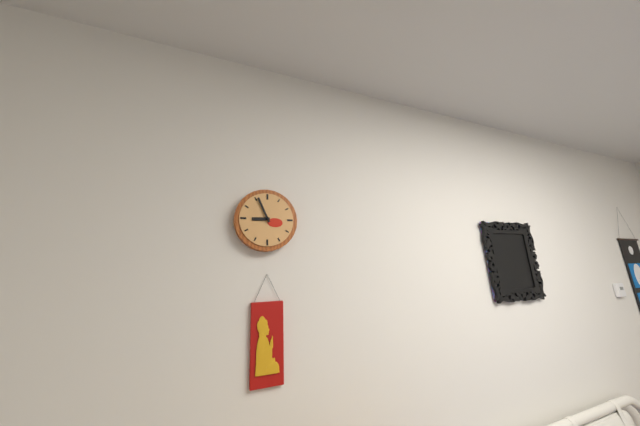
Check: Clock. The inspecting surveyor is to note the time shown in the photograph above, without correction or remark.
8:56
